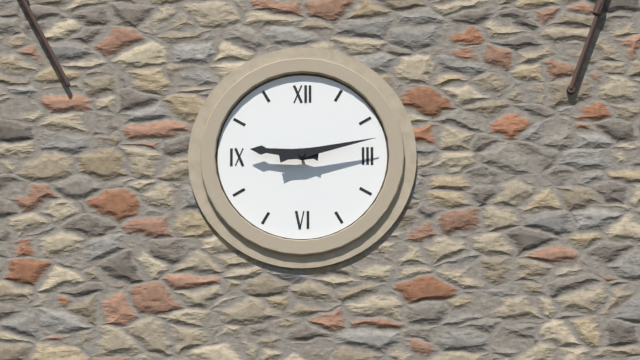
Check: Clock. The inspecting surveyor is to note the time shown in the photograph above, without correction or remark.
9:13
